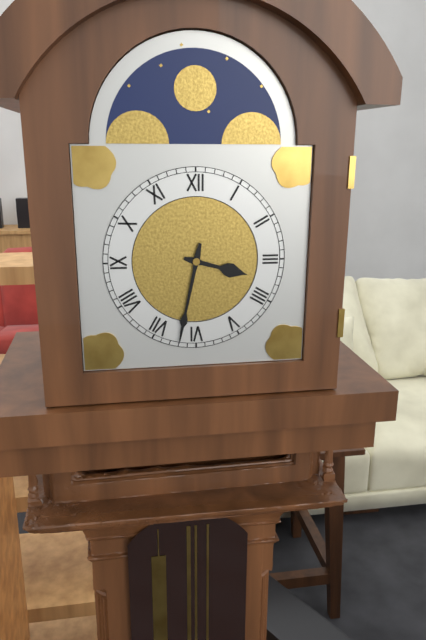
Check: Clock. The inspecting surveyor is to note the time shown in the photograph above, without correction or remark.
3:32
